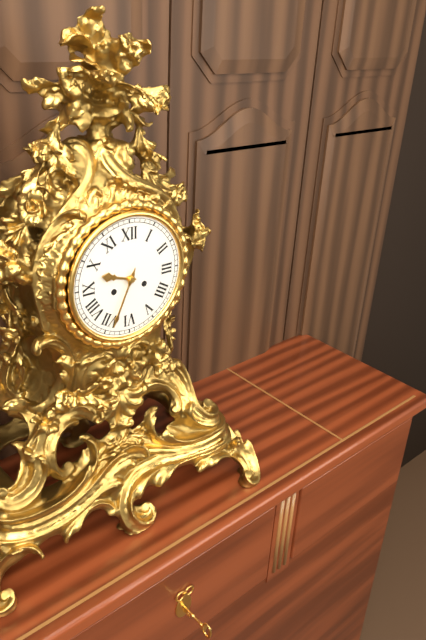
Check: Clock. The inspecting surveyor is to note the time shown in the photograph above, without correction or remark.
9:34
